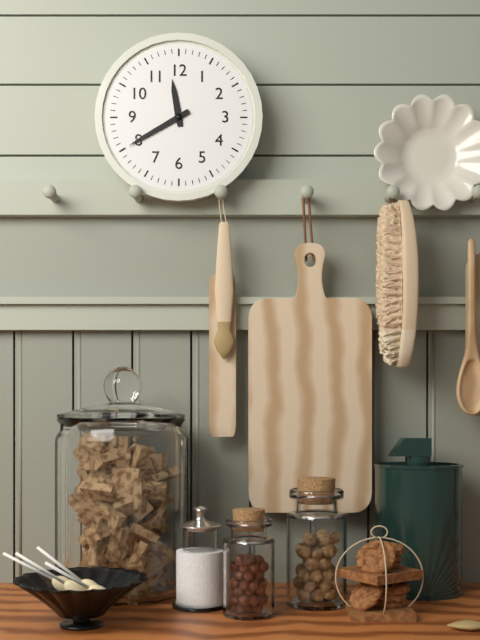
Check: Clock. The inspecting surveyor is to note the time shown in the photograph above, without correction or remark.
11:40
